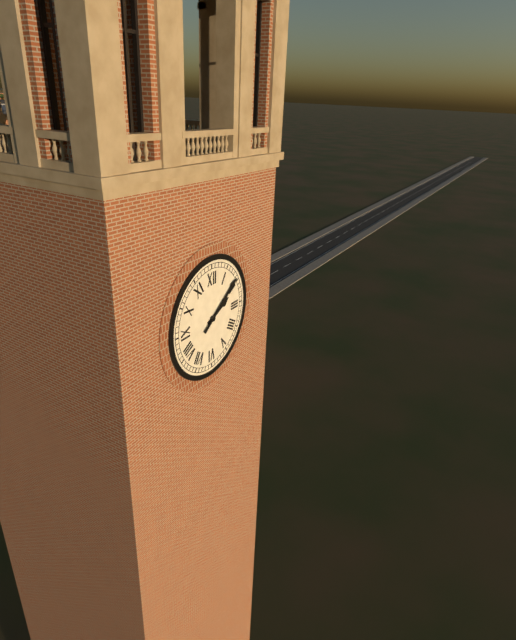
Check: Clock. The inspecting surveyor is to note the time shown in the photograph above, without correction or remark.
2:09
